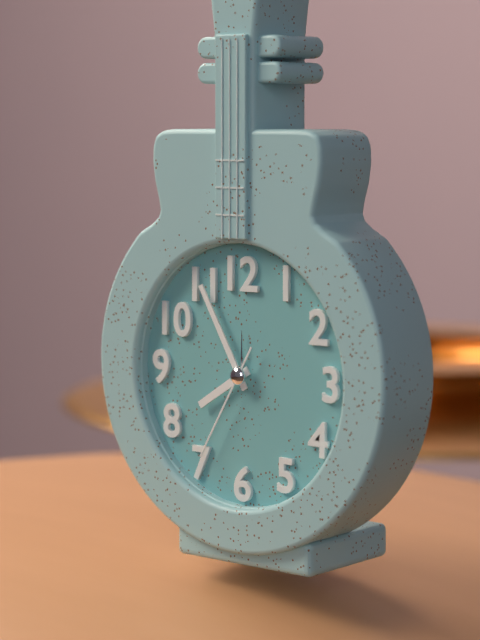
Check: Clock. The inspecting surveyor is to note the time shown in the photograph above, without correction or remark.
7:55:35
